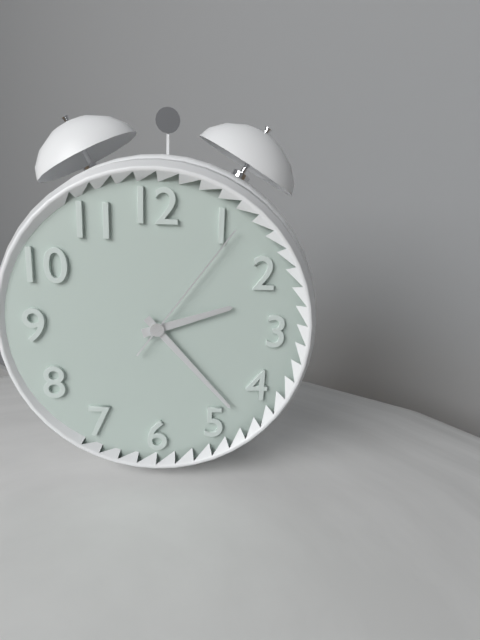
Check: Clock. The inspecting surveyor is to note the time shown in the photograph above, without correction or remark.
2:23:06
